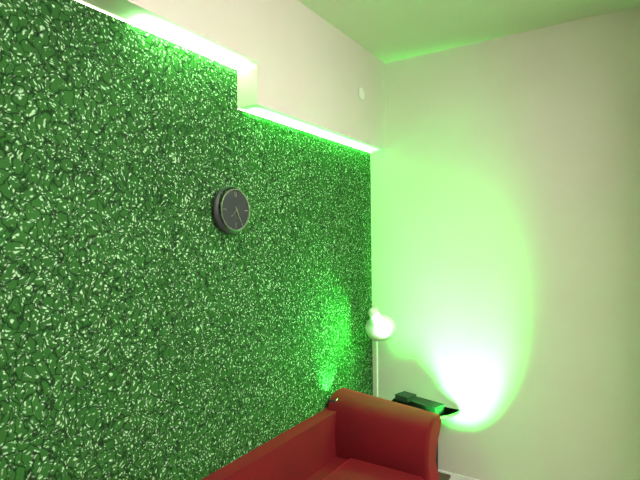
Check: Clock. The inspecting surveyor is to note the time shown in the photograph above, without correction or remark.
7:25
